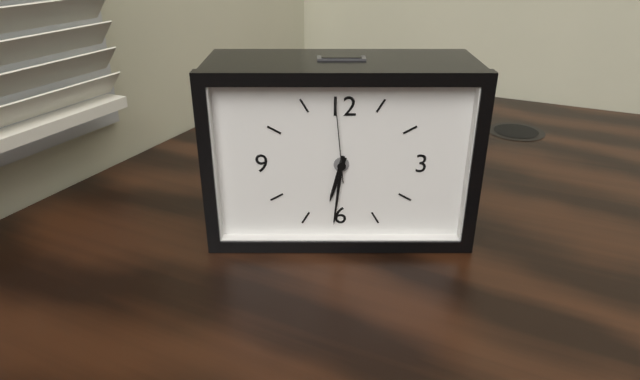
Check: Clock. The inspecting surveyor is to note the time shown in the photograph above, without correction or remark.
6:31:59
